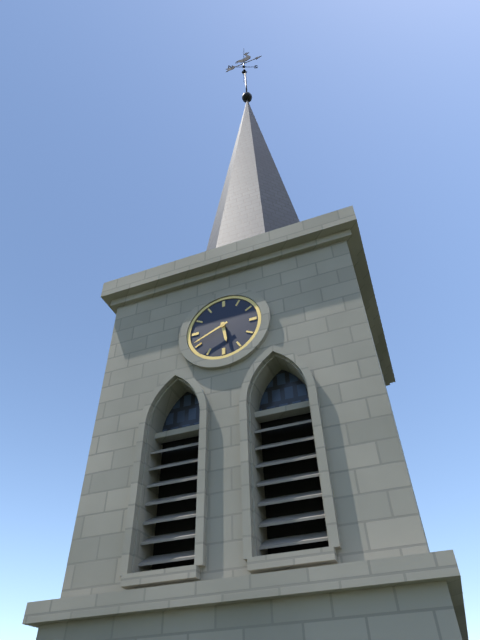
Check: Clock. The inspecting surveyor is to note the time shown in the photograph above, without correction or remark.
5:41
